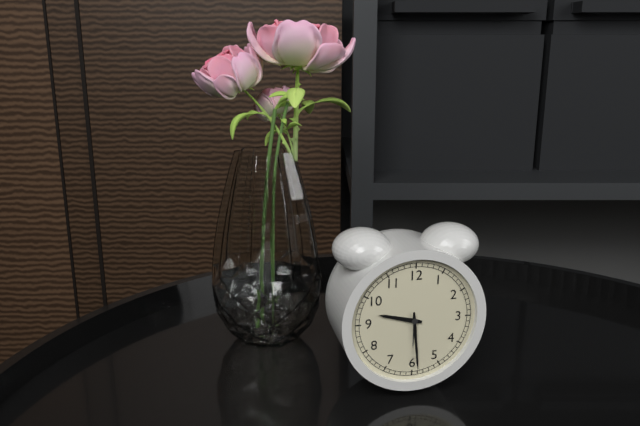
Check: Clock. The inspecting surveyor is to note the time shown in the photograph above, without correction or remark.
9:29
